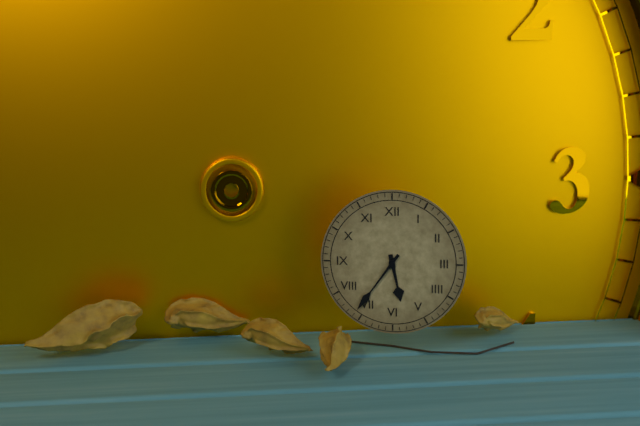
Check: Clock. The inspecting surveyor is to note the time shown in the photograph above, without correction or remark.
5:36
